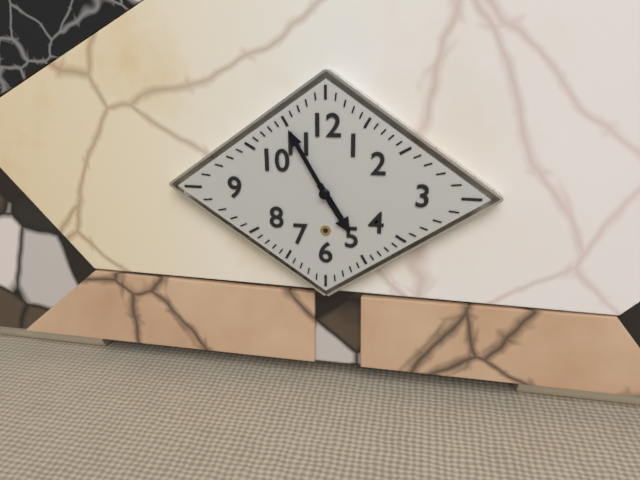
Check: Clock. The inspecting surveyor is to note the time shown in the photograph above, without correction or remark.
4:55
